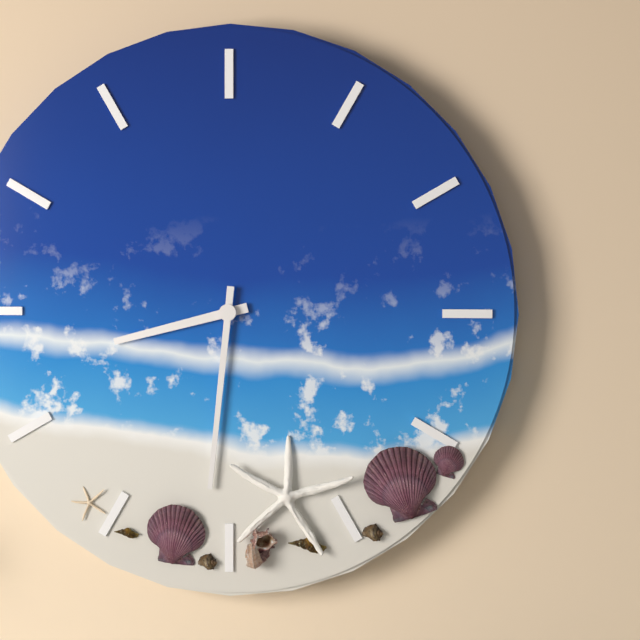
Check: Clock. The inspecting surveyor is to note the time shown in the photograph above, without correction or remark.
8:31
